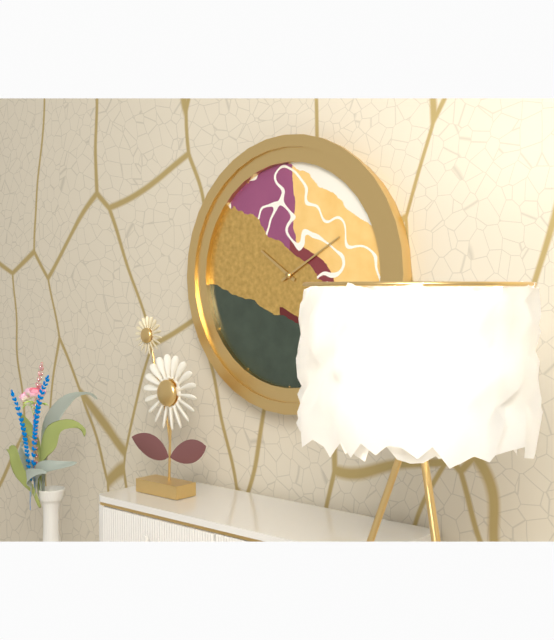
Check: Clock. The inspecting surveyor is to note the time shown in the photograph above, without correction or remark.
10:10
